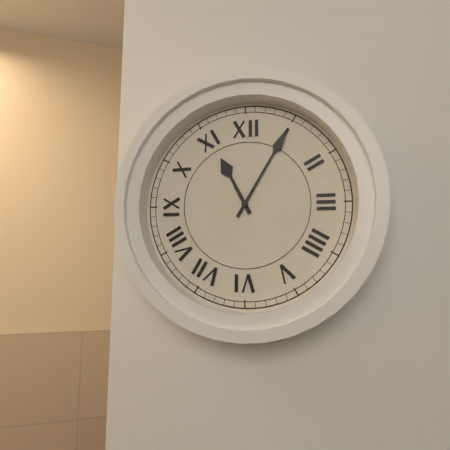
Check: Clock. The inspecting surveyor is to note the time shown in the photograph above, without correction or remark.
11:05
